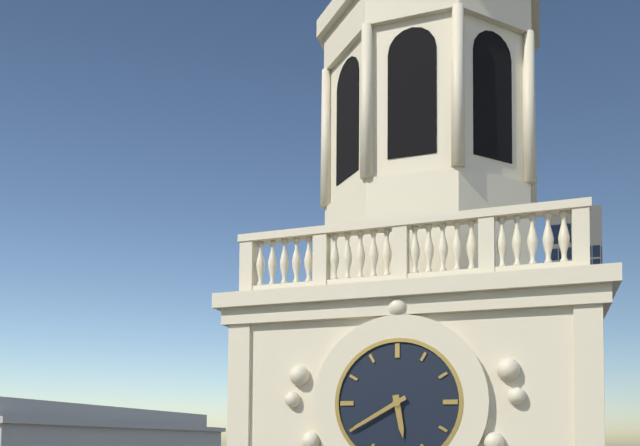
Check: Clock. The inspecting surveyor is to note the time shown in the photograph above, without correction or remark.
5:40
